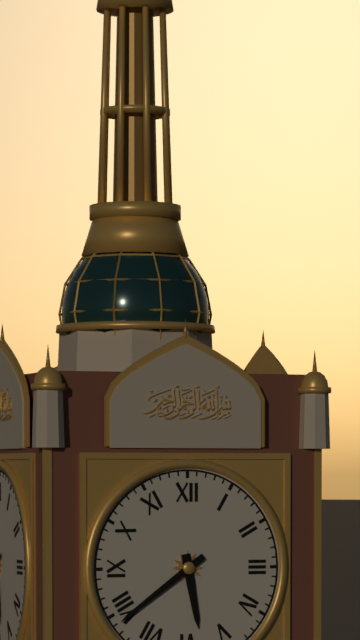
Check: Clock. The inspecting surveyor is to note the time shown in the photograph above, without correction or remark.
5:39
